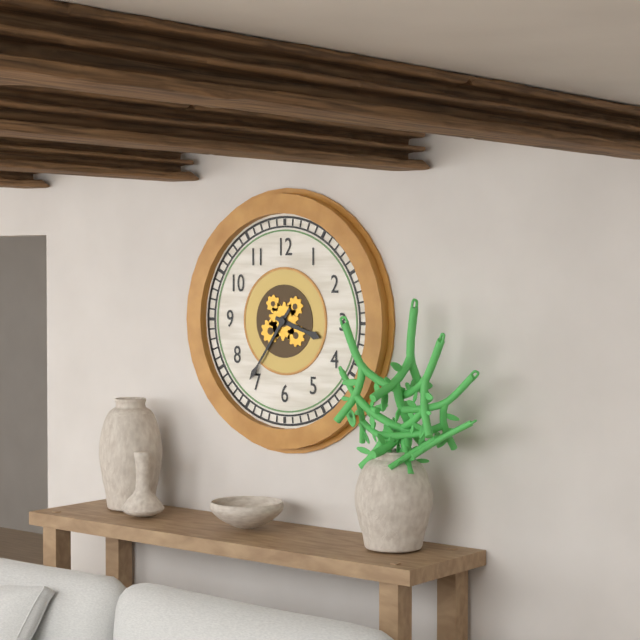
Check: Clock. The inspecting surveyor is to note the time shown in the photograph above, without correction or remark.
3:36
